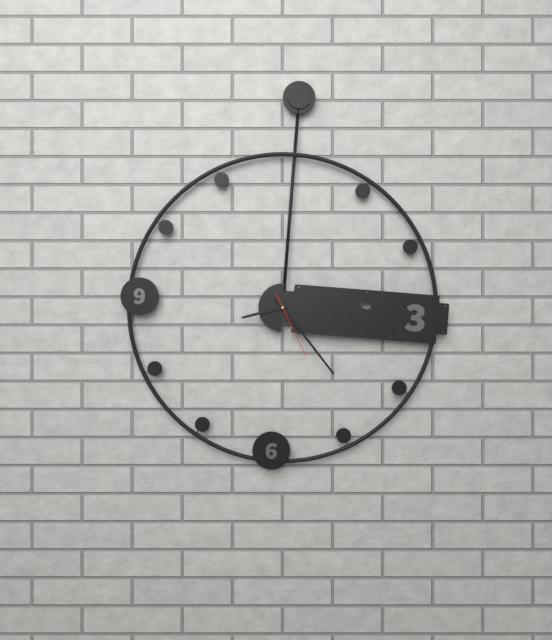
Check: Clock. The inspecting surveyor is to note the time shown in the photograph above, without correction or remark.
8:23:25
